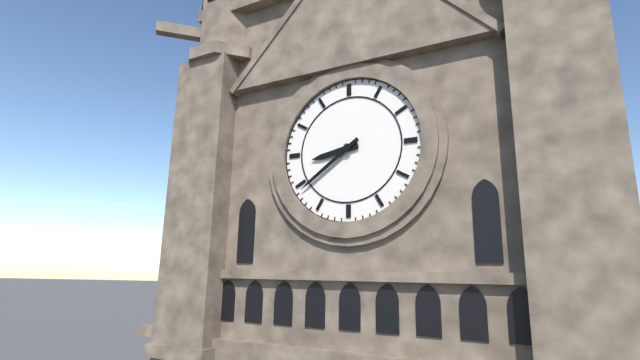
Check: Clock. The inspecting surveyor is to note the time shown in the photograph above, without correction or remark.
8:39
